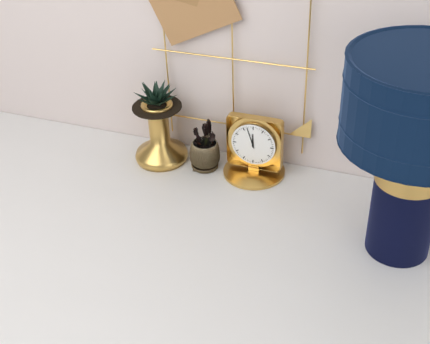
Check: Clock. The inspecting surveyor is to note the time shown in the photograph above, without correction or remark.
11:57
